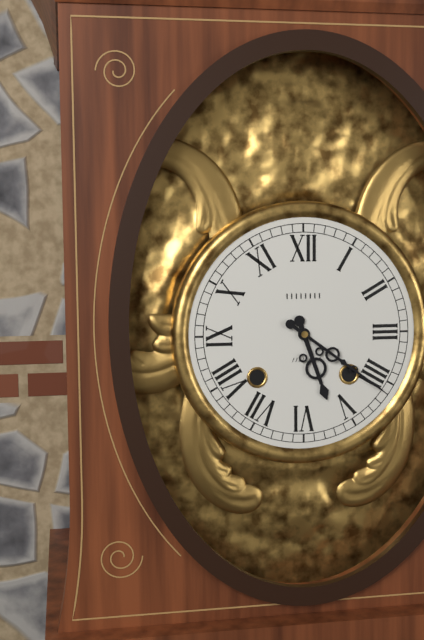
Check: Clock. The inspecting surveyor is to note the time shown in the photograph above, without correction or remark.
5:21
